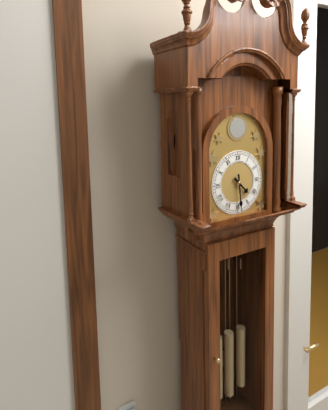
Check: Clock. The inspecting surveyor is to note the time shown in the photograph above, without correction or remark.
4:29
